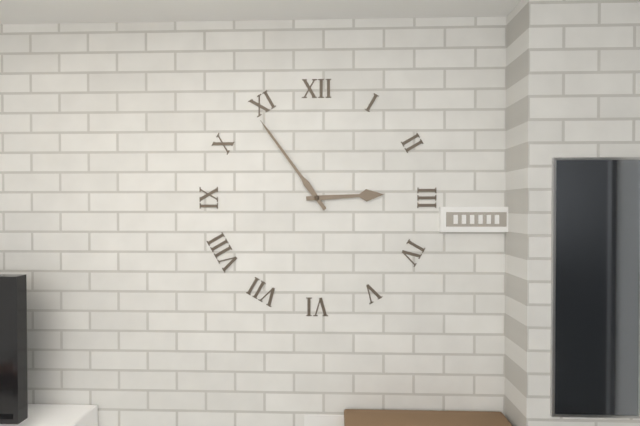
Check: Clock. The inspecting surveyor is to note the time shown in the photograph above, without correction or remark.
2:54
